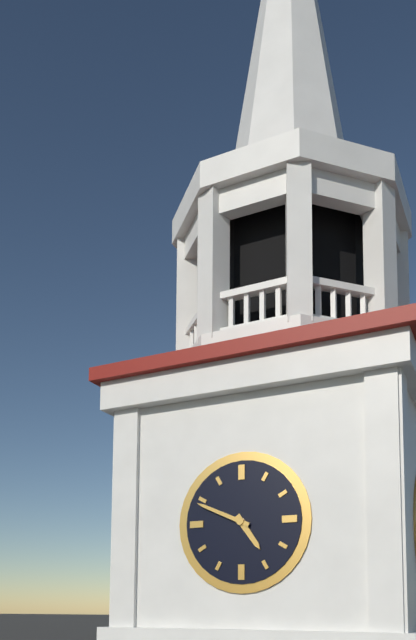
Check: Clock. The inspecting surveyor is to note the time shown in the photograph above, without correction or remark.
4:49
